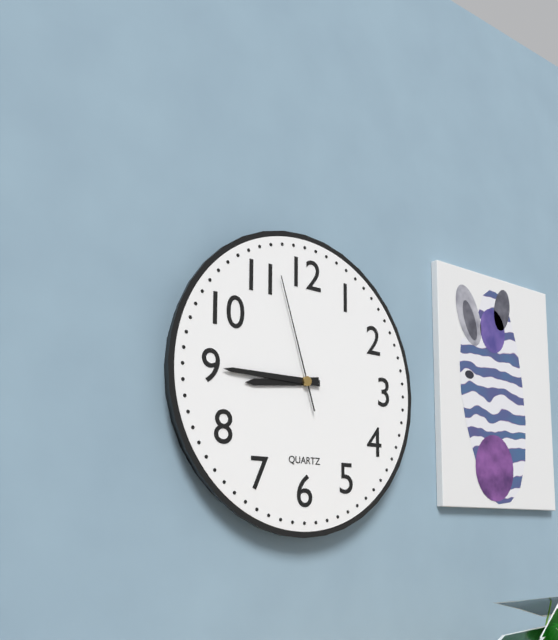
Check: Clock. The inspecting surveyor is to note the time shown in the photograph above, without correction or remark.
8:45:57
